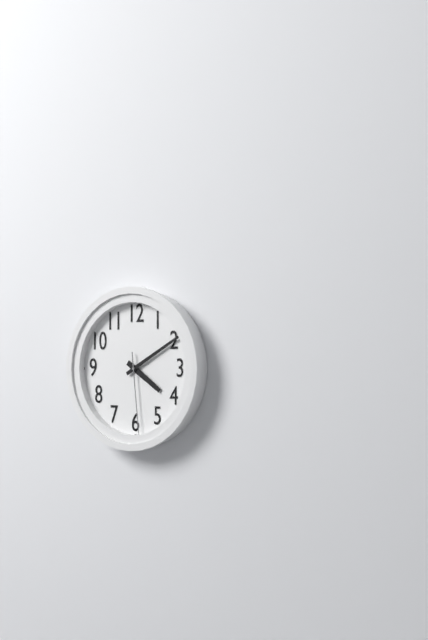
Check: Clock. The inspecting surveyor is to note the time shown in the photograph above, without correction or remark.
4:10:29
